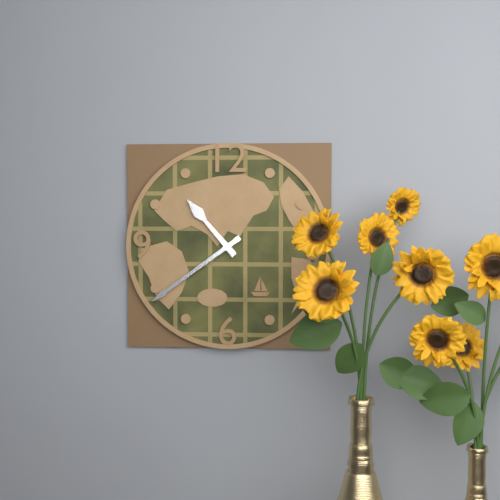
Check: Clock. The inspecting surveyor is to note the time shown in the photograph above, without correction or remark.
10:39
